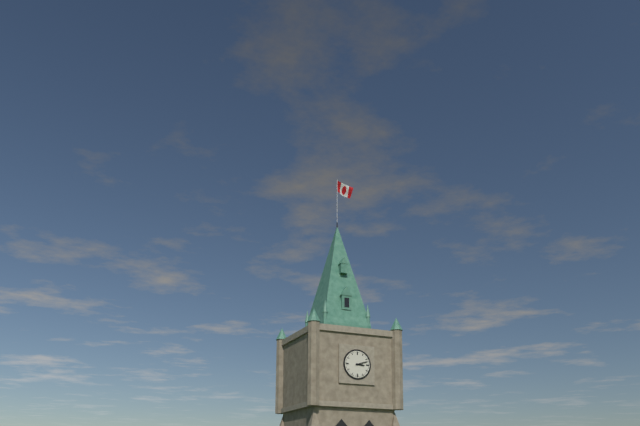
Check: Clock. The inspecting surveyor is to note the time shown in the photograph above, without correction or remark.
3:12
